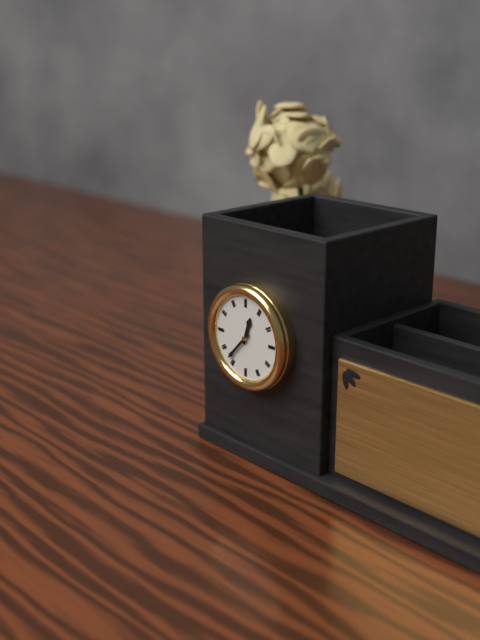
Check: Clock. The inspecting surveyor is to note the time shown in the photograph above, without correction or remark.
12:37
